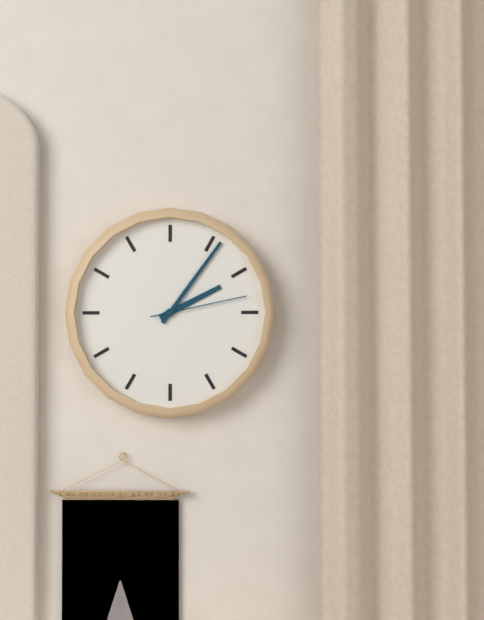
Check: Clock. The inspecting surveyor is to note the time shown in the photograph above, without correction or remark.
2:06:13
